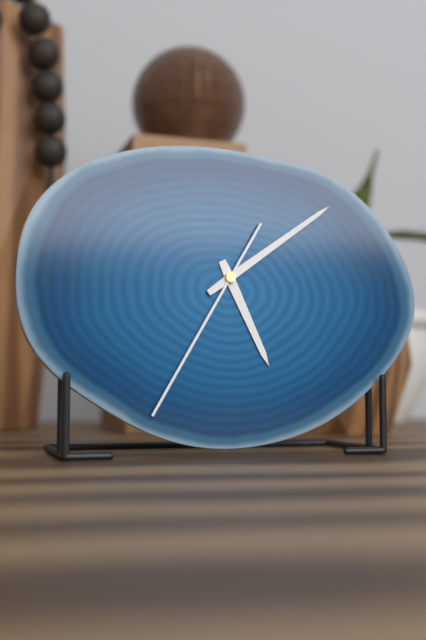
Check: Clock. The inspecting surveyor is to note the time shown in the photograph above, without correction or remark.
5:09:35
